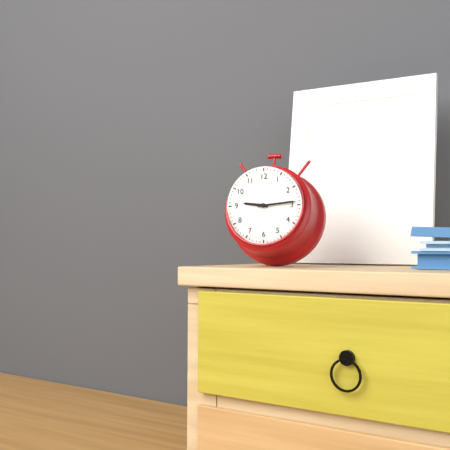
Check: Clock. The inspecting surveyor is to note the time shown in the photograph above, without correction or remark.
9:14
